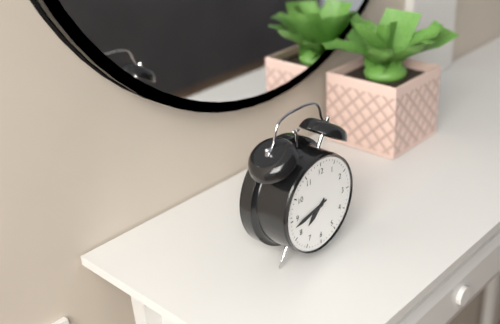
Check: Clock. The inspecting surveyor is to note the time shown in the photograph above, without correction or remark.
7:43
